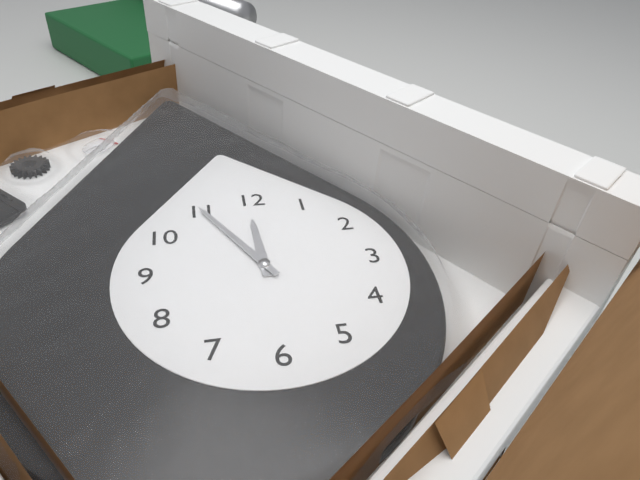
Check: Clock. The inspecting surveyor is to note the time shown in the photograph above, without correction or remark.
11:55
